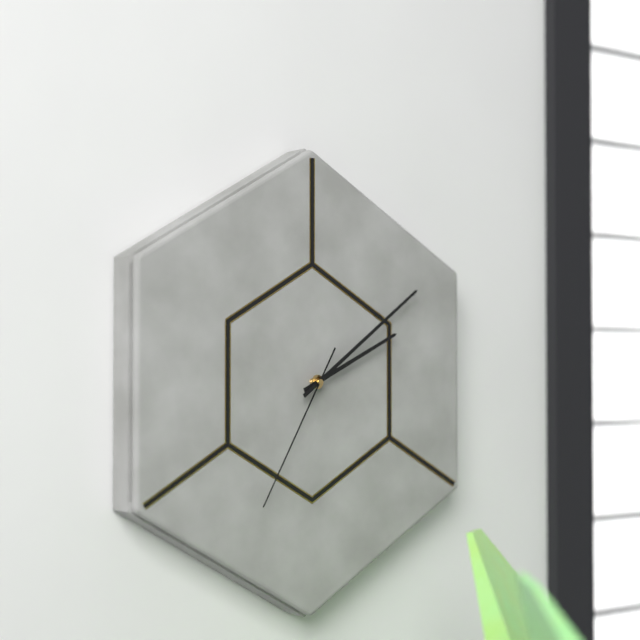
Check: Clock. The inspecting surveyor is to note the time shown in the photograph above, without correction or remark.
2:09:35
